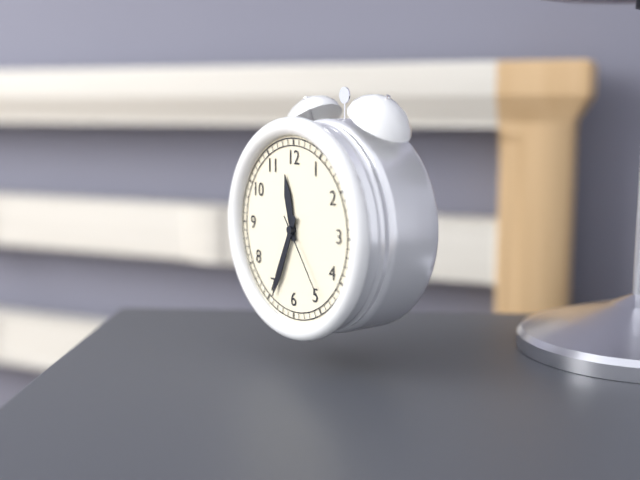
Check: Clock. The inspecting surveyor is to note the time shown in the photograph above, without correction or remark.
11:34:24
